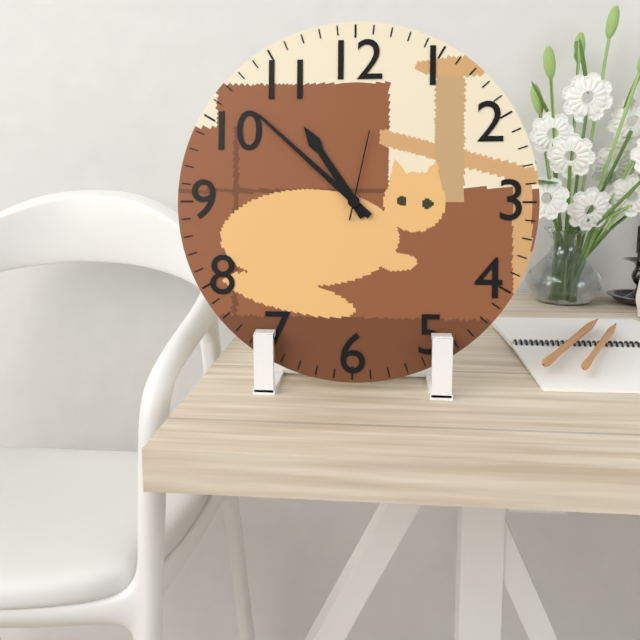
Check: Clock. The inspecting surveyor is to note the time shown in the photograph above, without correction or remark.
10:52:02
